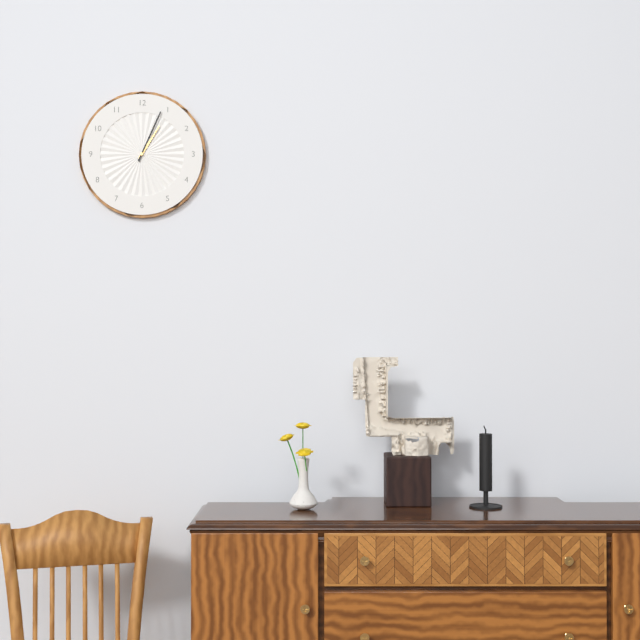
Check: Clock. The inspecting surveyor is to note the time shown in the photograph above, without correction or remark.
1:04
